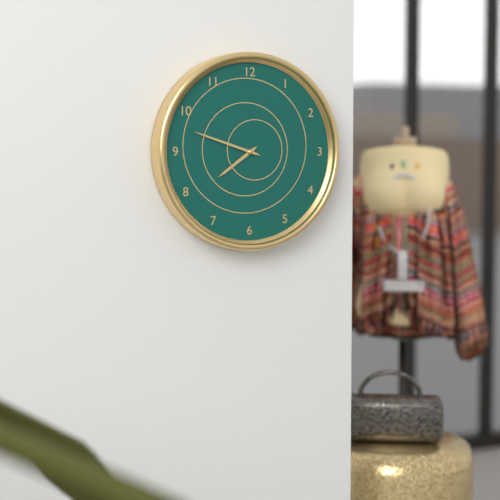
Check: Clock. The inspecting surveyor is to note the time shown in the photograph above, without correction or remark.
7:48
